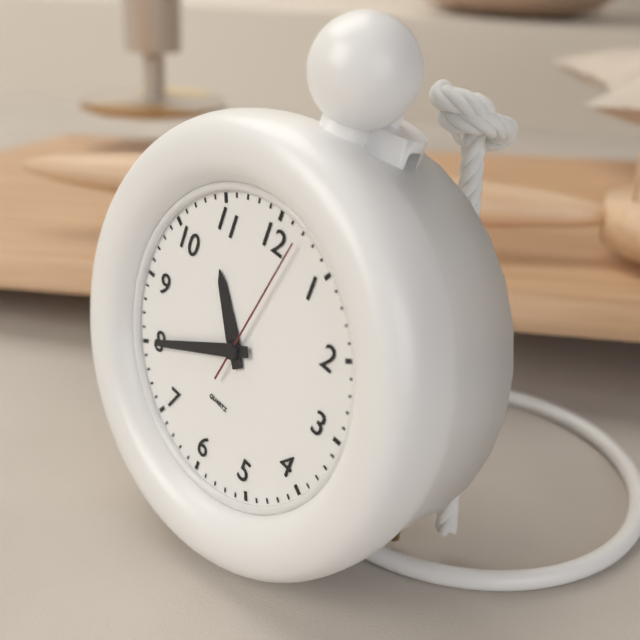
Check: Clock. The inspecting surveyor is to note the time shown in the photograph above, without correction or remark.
10:40:02
